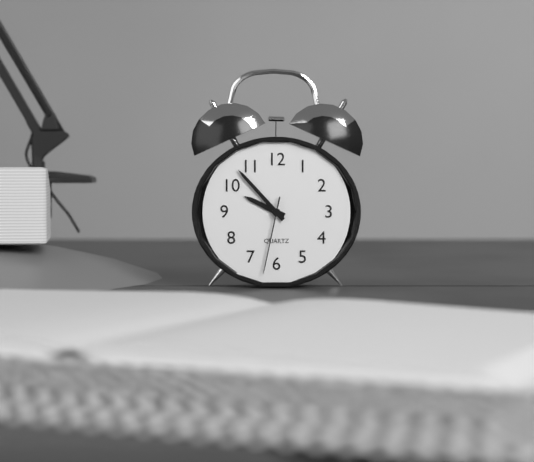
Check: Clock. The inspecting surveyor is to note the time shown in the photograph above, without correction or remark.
9:53:32
